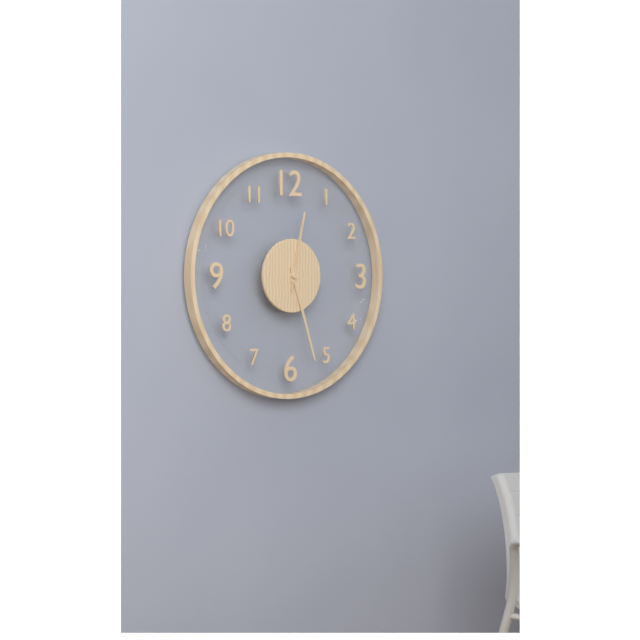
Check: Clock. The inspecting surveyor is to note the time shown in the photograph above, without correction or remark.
12:27:02
